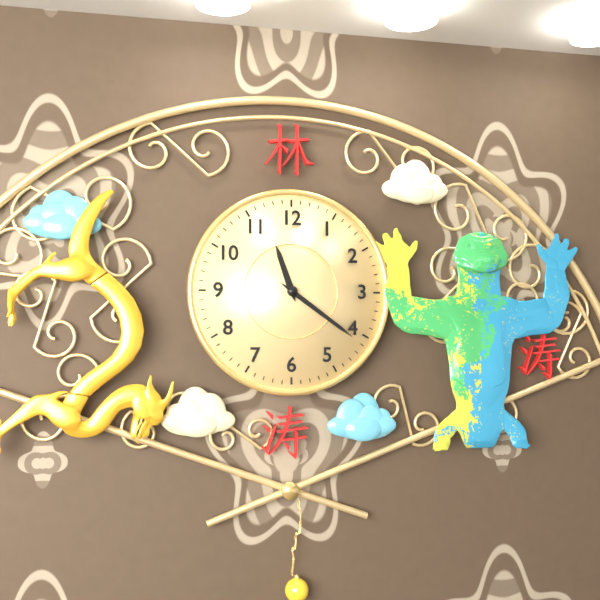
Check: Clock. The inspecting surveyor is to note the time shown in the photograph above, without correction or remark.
11:21
